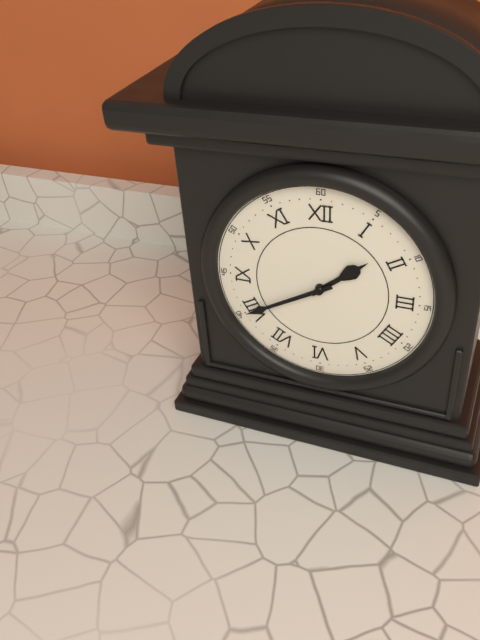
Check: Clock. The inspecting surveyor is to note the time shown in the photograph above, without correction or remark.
1:40
